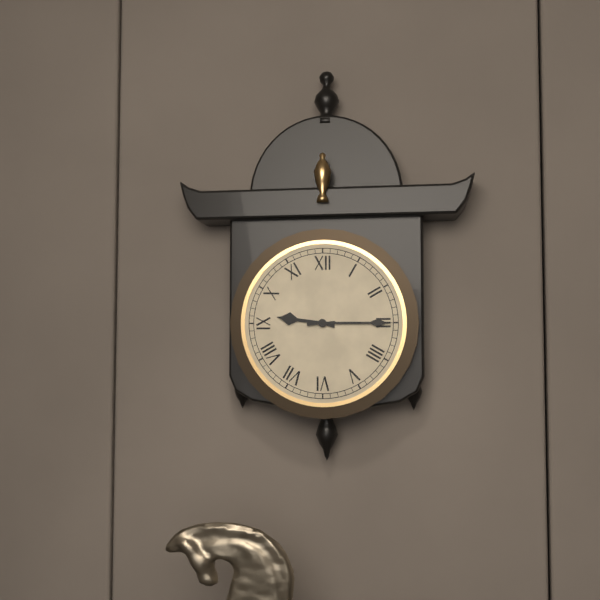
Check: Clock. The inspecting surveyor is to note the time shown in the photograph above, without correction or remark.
9:15
